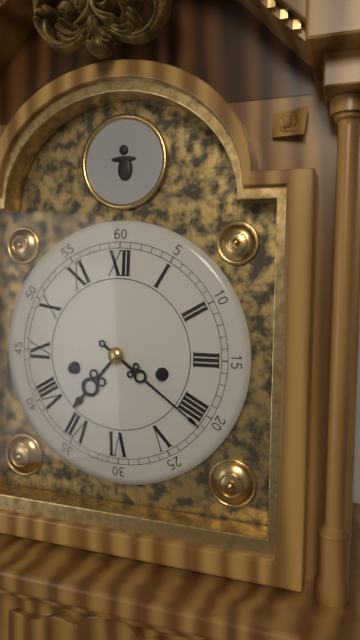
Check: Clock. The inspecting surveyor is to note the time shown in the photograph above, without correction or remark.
7:21
